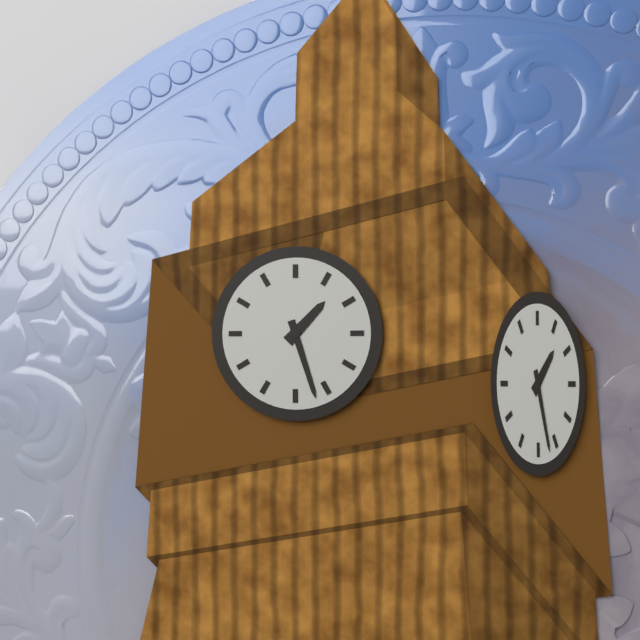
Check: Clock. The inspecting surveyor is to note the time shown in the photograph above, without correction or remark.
1:27
